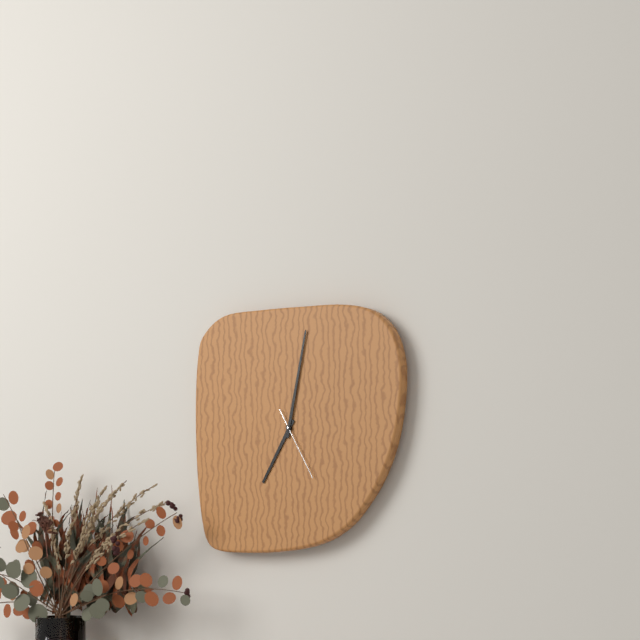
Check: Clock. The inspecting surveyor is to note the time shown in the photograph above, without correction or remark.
7:02:25
